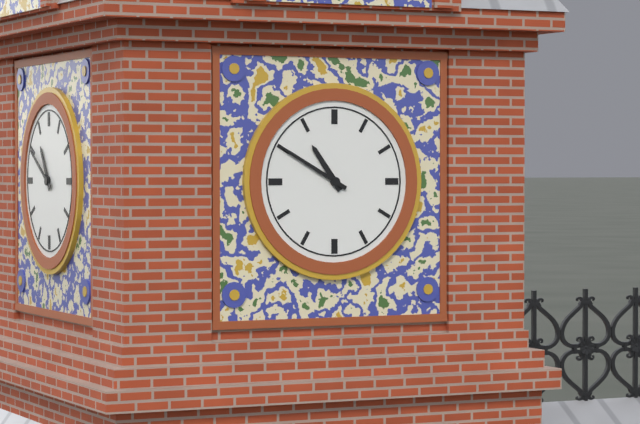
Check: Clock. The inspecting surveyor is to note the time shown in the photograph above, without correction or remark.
10:50
